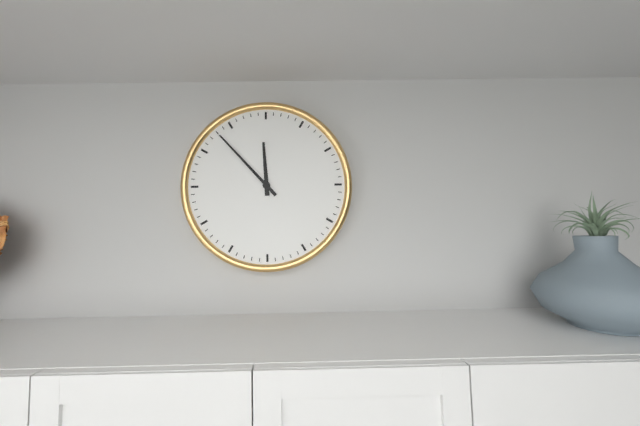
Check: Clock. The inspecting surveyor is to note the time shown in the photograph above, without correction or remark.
11:53
